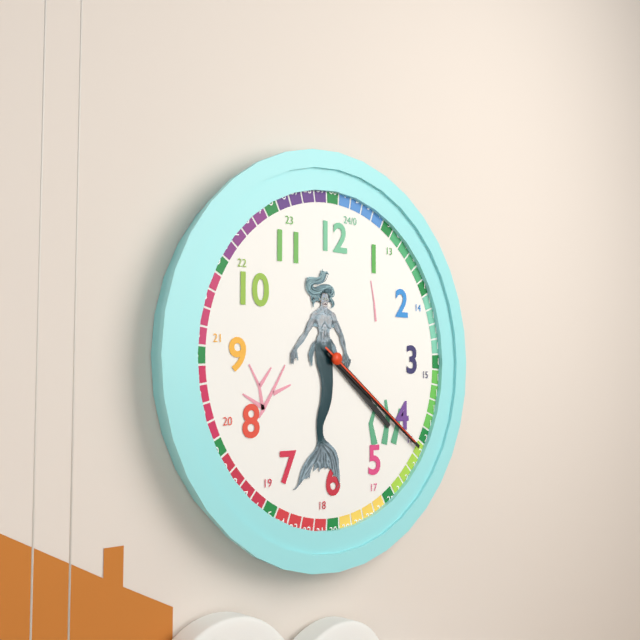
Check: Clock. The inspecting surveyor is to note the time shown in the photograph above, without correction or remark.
4:21:21
